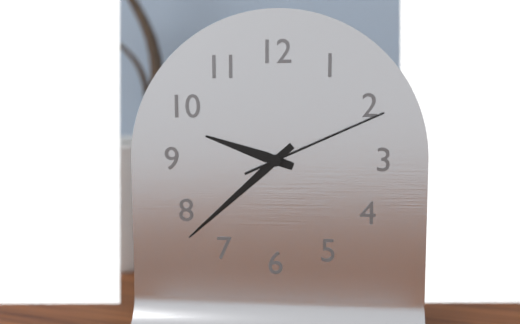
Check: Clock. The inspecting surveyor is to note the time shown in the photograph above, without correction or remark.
9:38:11
